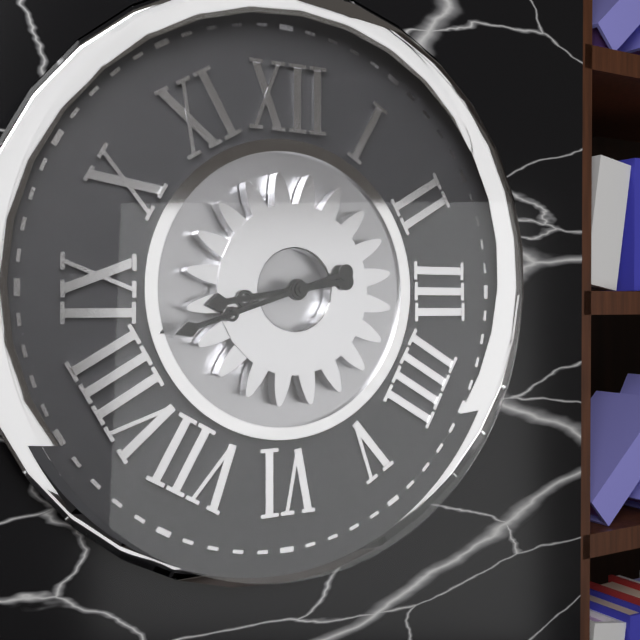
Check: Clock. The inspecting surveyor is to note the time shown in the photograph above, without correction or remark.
8:42
